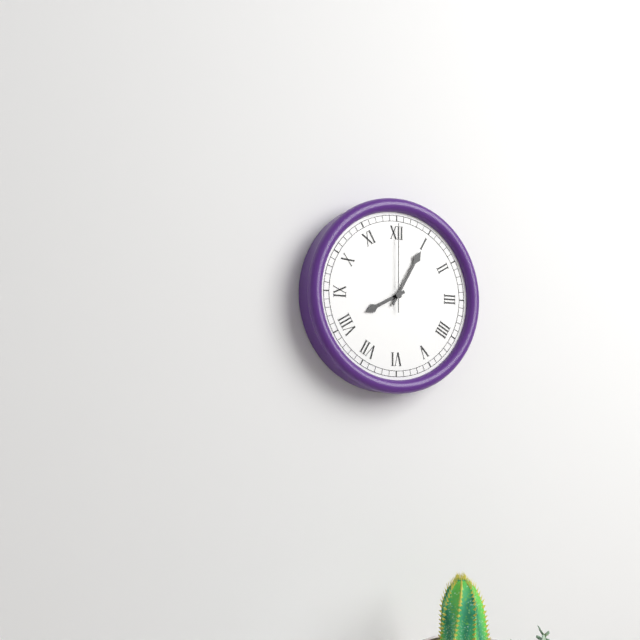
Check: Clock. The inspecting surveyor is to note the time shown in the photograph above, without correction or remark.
8:05:00
